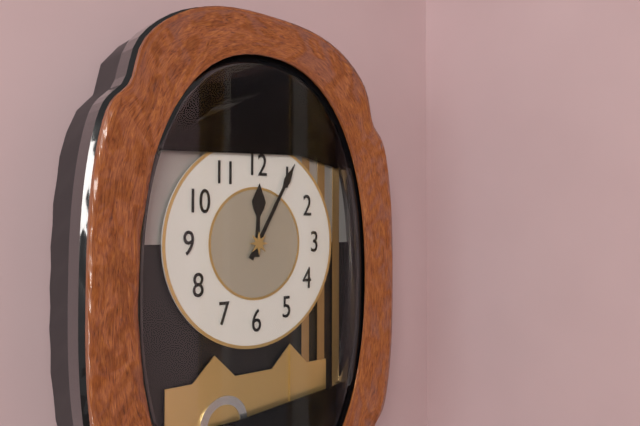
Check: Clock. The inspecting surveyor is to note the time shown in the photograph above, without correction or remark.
12:05
